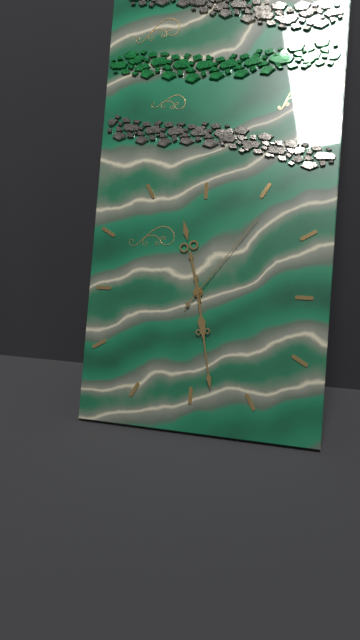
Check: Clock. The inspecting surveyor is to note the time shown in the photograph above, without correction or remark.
11:28:06
